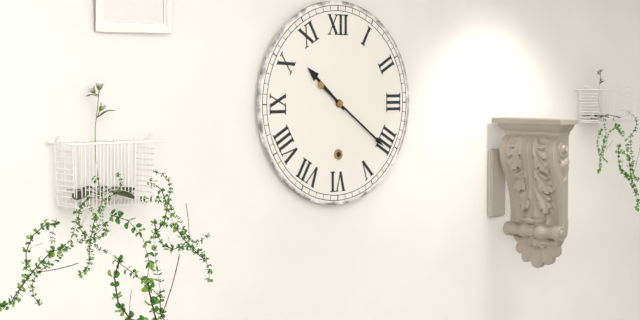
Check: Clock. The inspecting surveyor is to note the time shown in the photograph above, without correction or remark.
10:21
